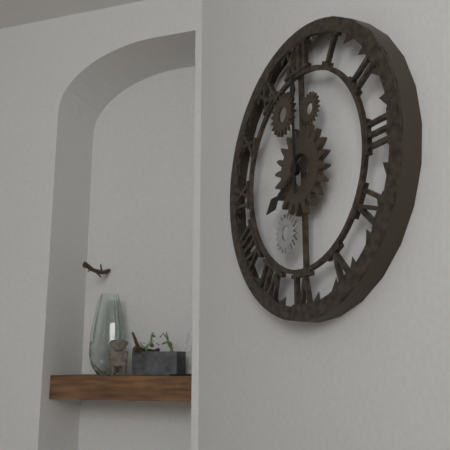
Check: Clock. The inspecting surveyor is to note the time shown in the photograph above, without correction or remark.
8:00
